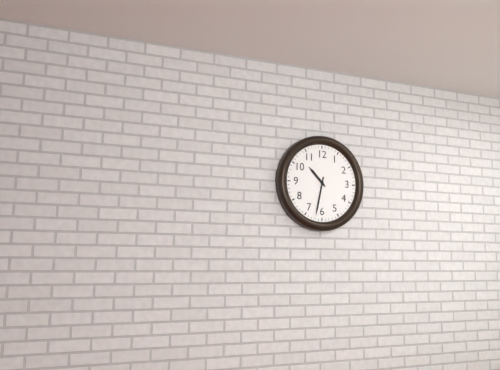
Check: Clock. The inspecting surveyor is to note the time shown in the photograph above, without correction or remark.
10:32
